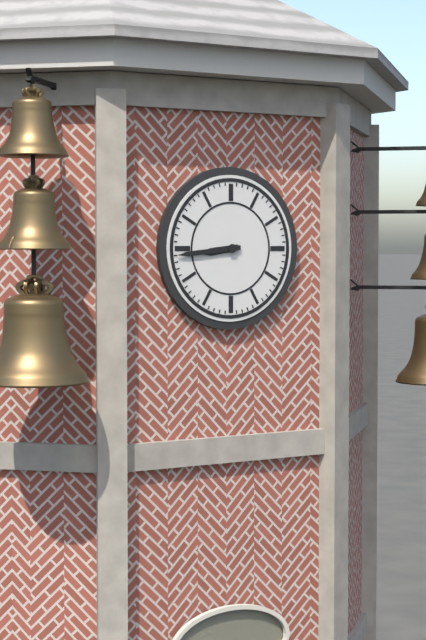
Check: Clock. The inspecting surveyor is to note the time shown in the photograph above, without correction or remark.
8:44
